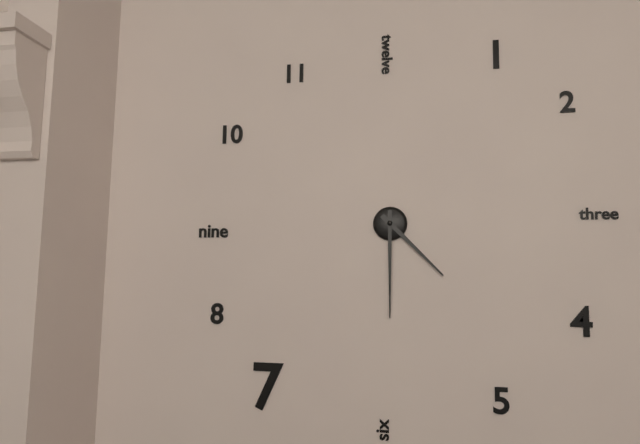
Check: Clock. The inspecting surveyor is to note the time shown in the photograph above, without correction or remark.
4:30
